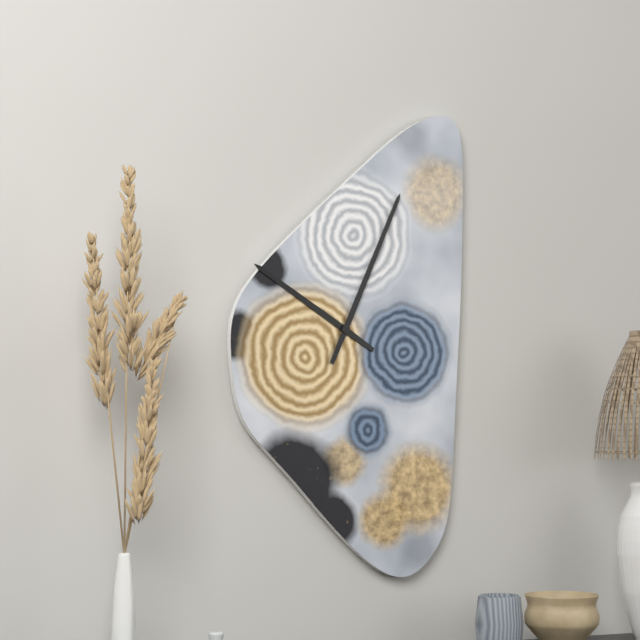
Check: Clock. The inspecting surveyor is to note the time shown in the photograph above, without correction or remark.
10:04
